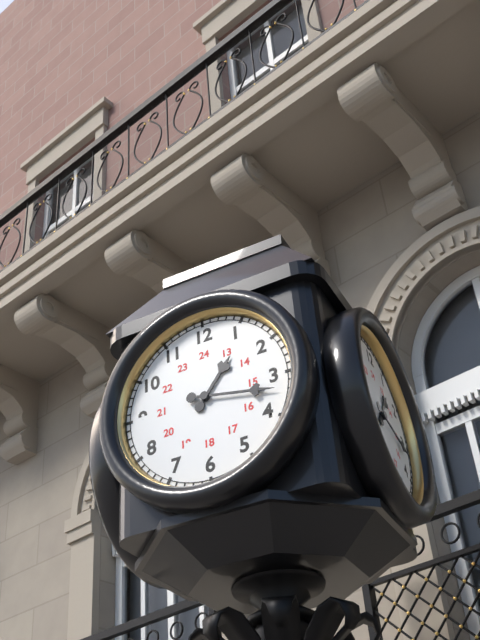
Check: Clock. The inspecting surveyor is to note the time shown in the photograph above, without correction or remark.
1:17
